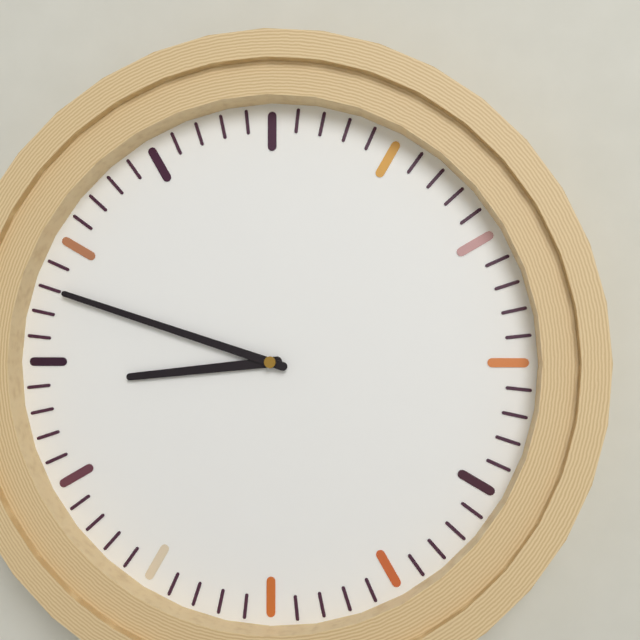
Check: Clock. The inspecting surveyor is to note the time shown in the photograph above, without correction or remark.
8:48
